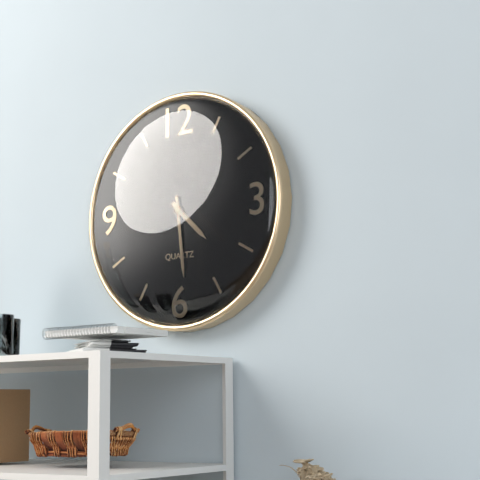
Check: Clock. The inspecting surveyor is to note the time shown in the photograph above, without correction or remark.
4:29
